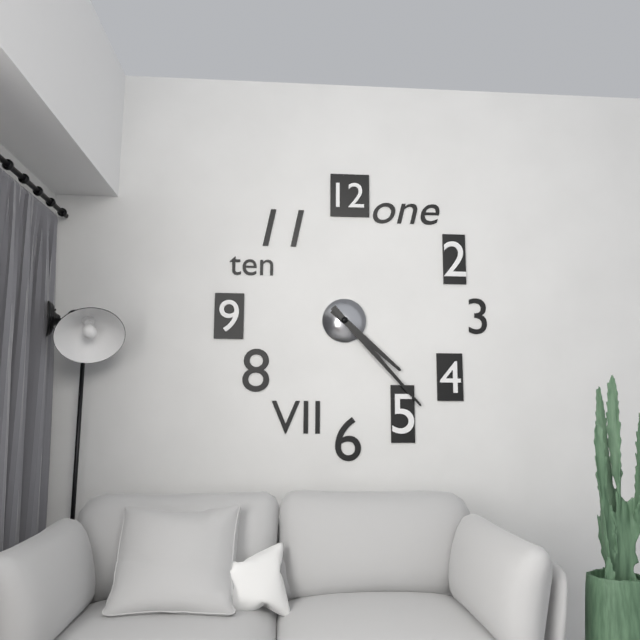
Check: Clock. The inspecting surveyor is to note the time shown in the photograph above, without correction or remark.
4:23
